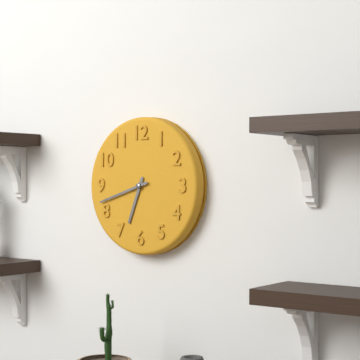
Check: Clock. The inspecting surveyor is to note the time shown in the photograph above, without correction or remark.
6:42
